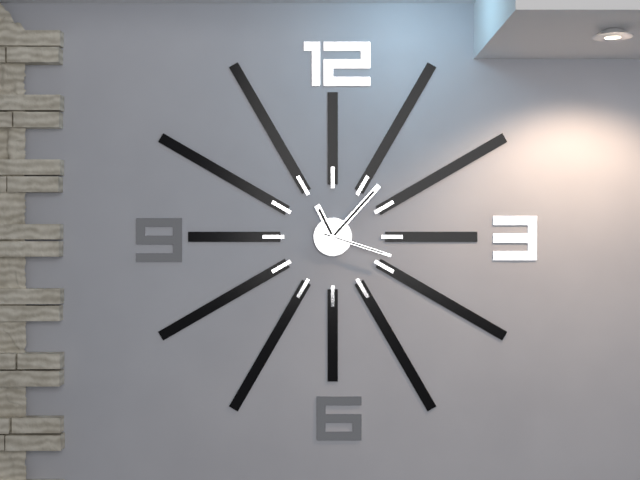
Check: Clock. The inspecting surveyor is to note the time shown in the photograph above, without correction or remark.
11:07:18
